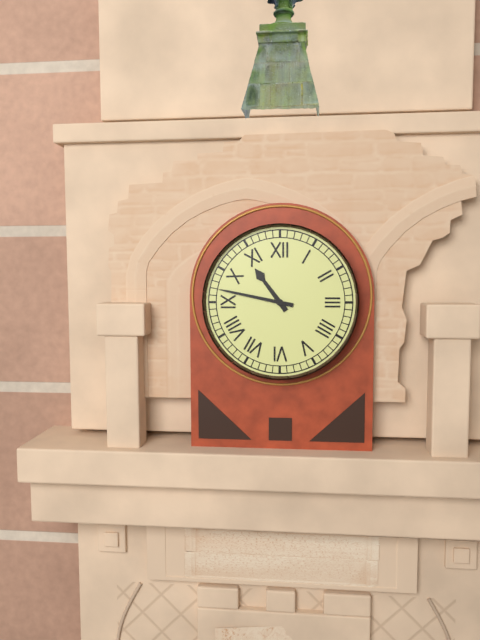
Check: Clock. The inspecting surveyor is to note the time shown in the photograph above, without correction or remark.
10:47
